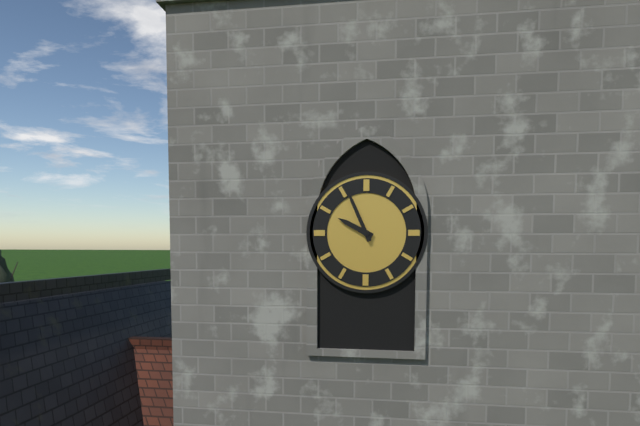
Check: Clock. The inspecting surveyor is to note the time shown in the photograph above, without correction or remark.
9:56
